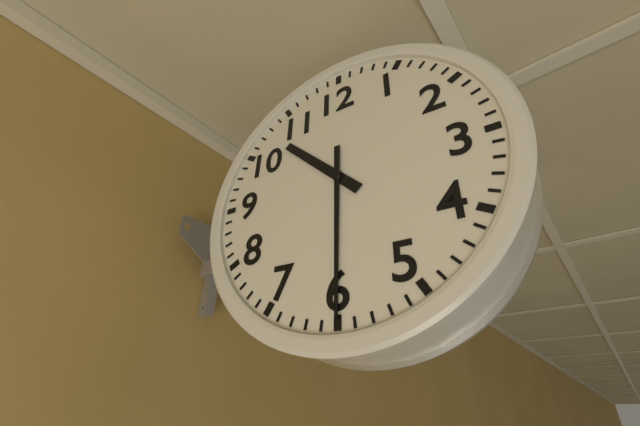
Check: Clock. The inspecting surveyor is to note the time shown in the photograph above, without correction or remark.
10:30
